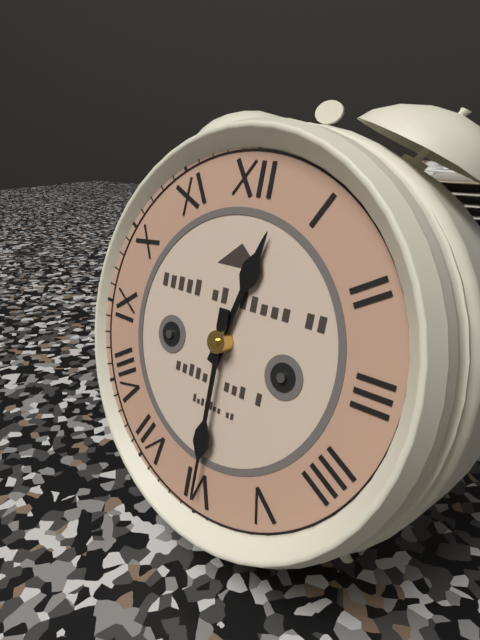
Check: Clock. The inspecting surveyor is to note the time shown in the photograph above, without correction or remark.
12:30
